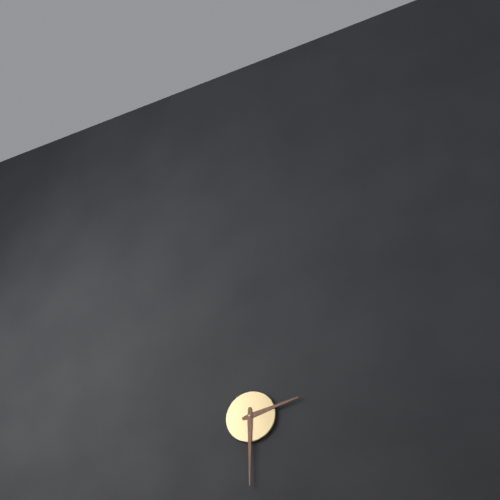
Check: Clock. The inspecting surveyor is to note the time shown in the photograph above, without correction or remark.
2:30
